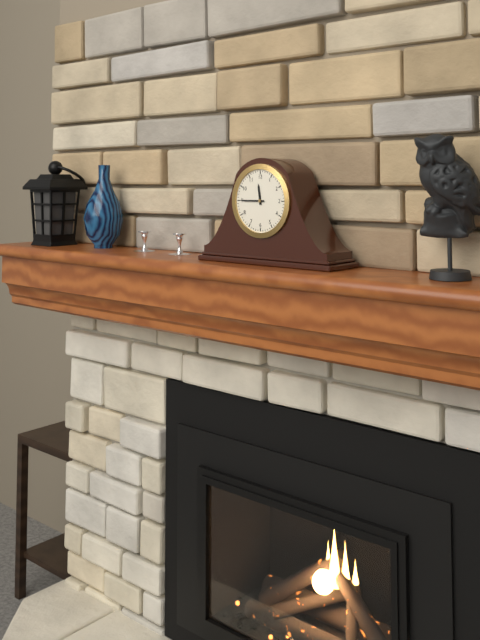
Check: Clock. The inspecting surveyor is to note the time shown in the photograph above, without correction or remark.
11:45
